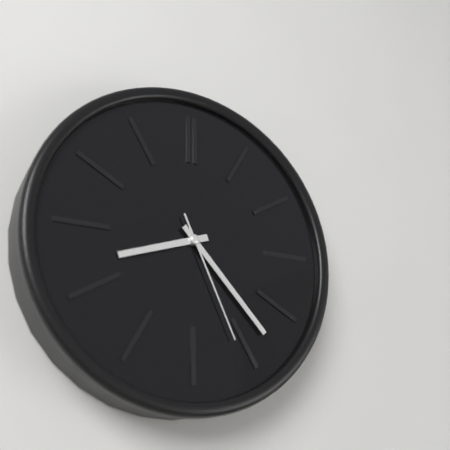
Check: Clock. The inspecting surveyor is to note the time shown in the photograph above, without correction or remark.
8:23:26
